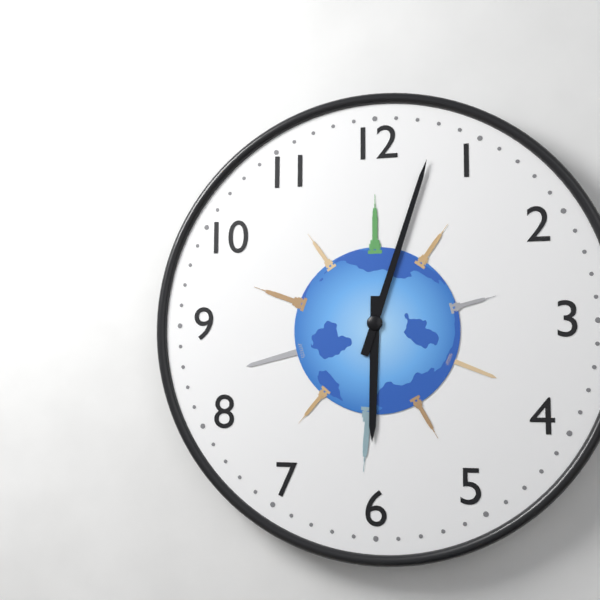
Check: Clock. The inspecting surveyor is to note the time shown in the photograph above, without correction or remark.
6:03
